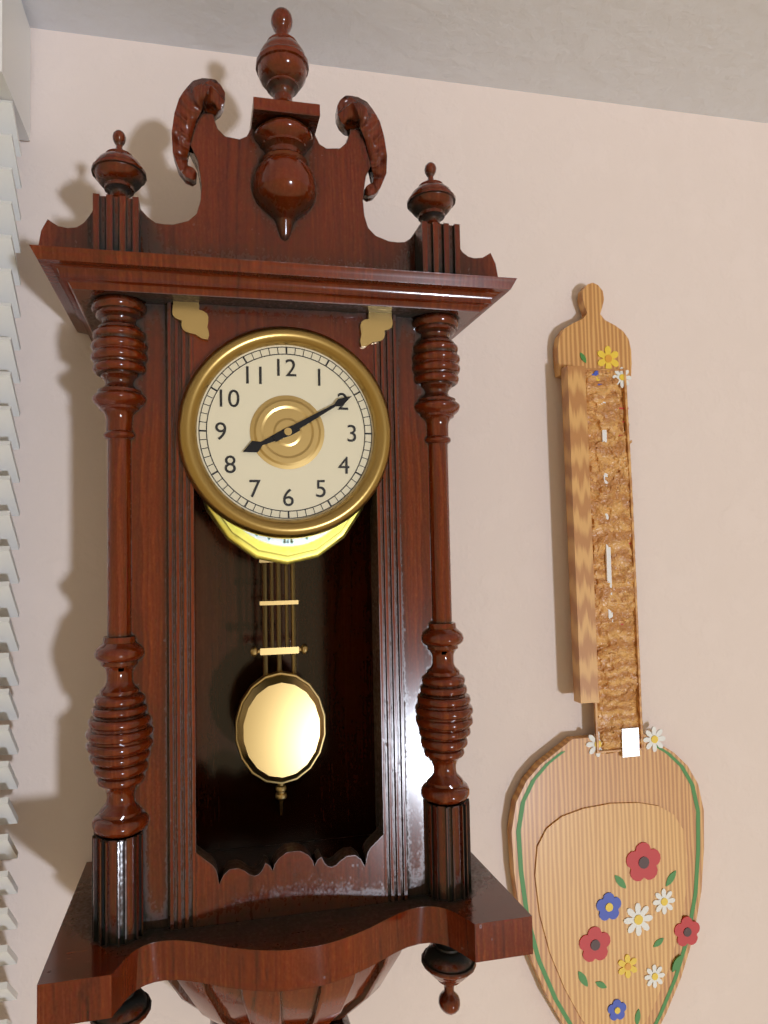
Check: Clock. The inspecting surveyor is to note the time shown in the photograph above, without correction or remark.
8:10
